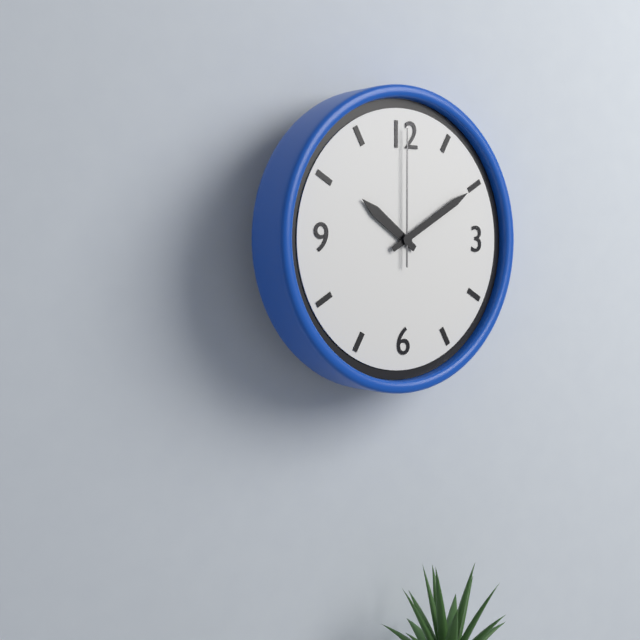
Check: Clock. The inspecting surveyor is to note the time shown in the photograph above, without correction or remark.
10:10:00
